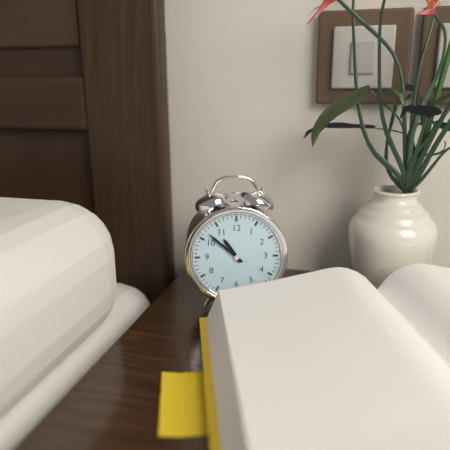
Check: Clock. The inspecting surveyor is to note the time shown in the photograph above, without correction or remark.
10:52
